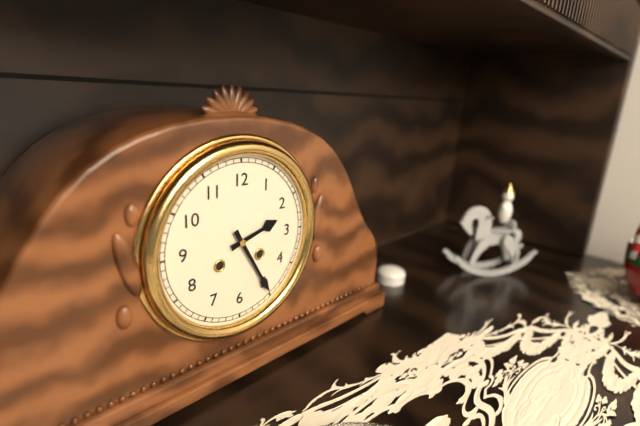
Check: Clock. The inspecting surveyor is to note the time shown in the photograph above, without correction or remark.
2:25
